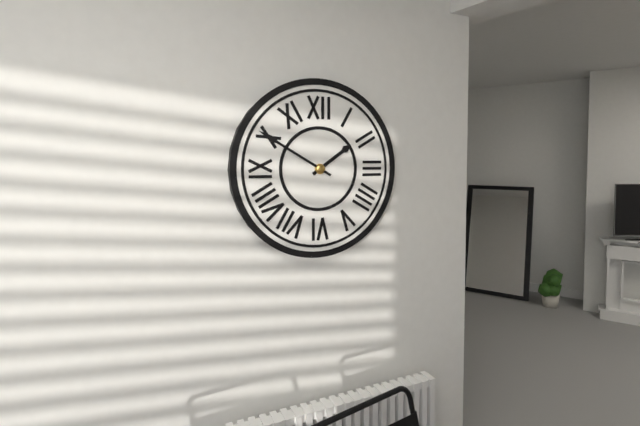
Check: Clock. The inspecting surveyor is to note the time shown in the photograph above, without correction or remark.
1:50
